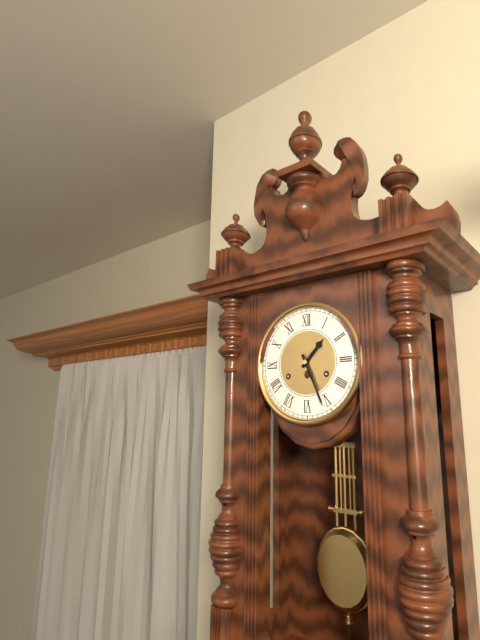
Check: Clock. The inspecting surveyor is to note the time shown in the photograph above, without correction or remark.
1:26
